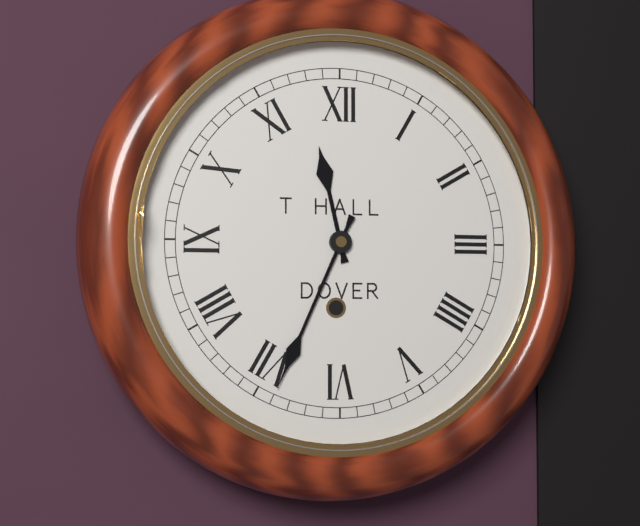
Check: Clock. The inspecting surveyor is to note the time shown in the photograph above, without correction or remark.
11:34
